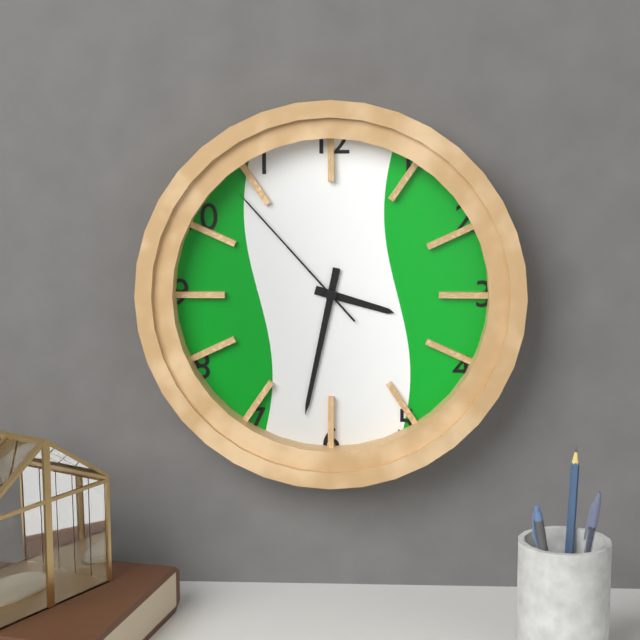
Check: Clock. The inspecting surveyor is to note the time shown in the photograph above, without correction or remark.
3:32:53
